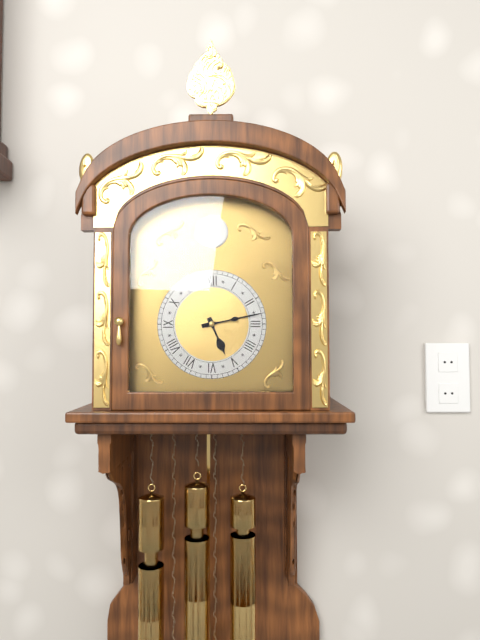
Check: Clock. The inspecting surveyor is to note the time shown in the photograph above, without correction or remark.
5:13
